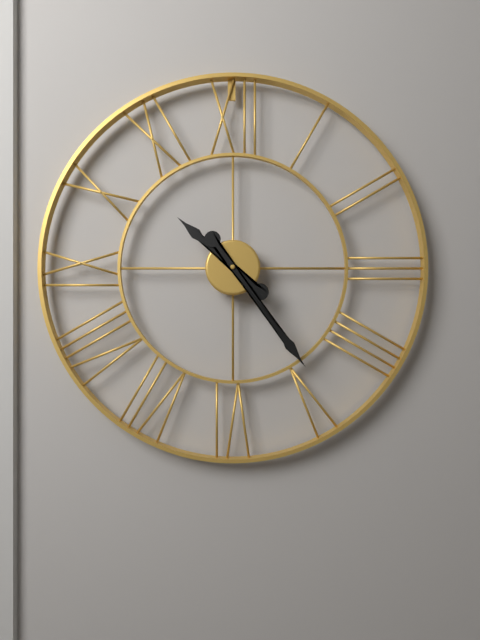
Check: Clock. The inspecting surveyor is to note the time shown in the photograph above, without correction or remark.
10:24
